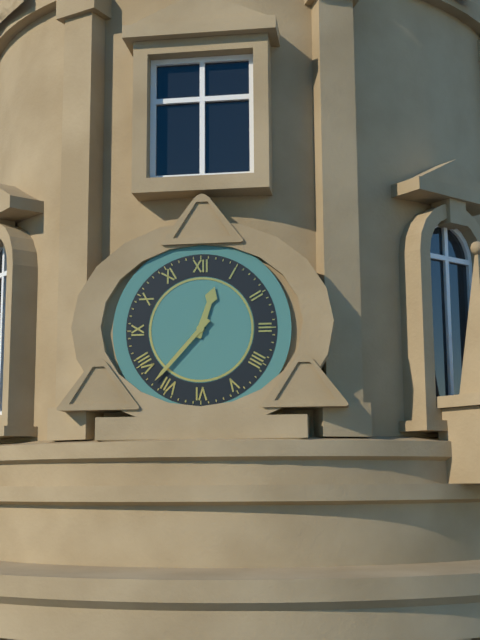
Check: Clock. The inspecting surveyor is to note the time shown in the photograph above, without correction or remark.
12:37
